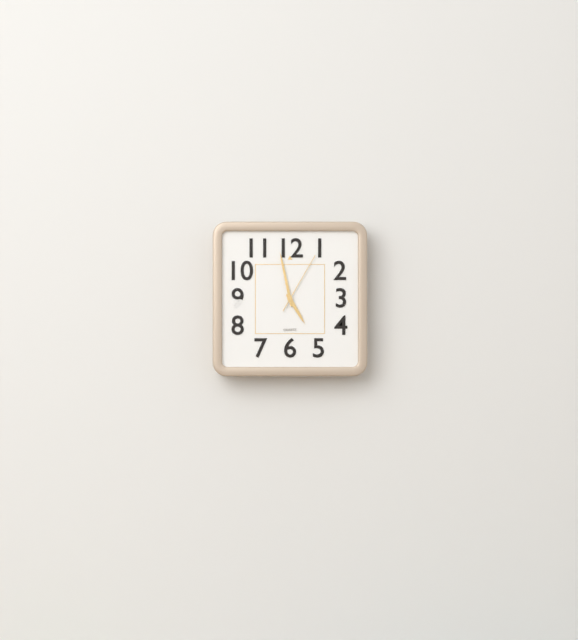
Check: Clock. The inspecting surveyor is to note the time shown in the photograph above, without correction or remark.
4:58:05
